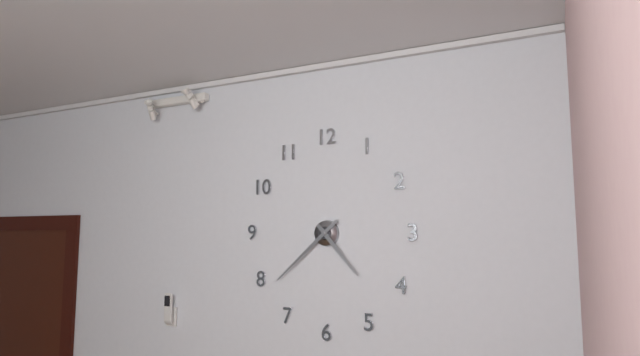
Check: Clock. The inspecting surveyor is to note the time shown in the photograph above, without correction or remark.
4:38
